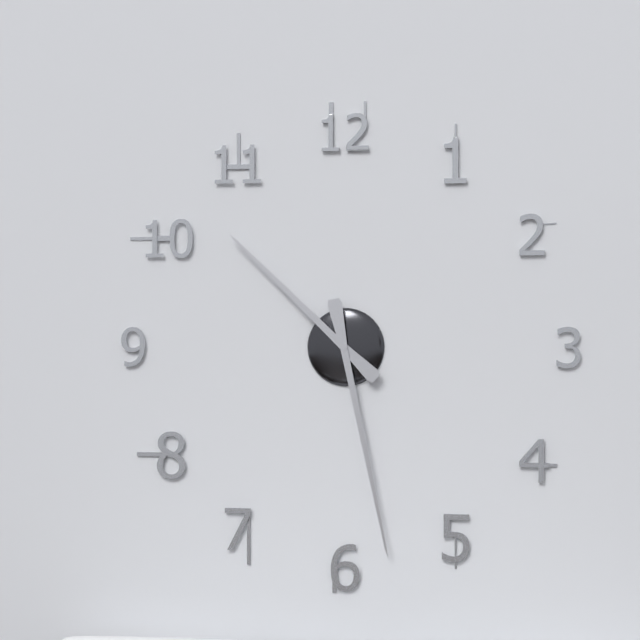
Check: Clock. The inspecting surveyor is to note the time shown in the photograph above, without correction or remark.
10:28
